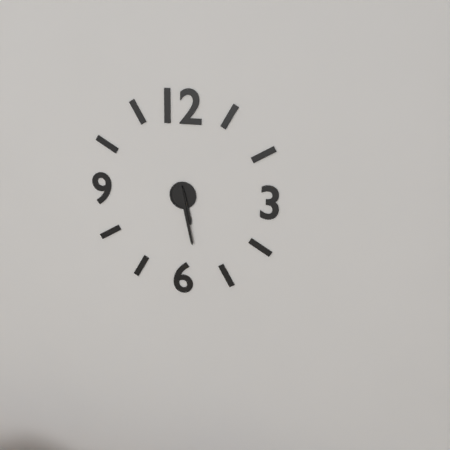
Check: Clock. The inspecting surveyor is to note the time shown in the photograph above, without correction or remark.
5:28
